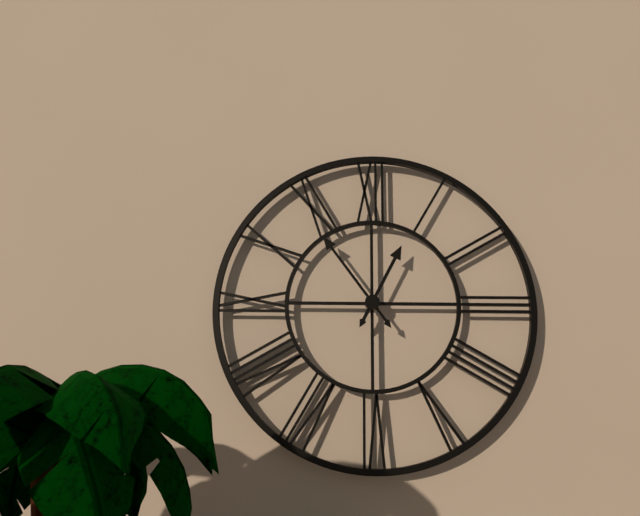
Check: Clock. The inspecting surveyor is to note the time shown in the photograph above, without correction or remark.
12:54
